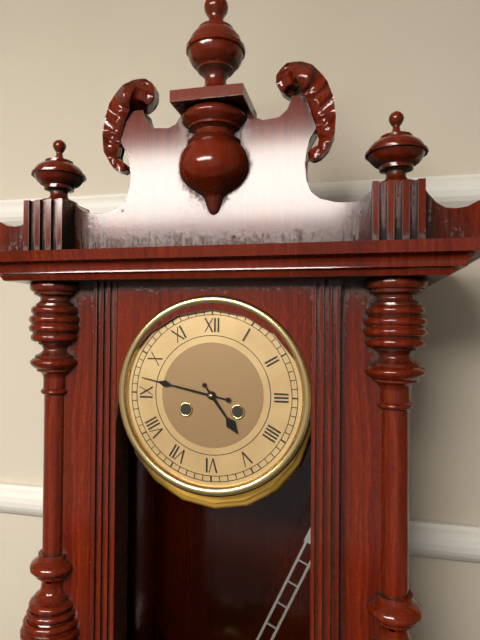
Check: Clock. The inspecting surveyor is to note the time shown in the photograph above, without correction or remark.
4:47
